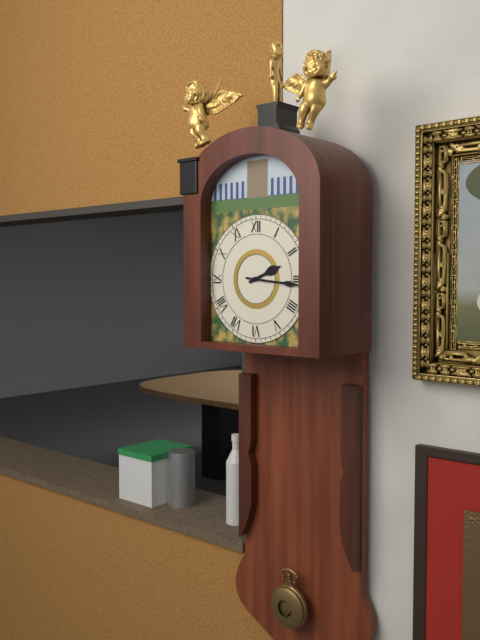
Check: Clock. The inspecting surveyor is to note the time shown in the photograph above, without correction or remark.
2:16
